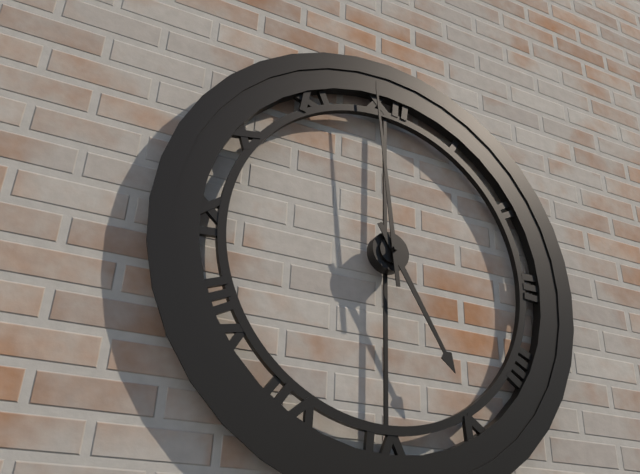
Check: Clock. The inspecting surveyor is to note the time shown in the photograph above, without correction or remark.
4:59
